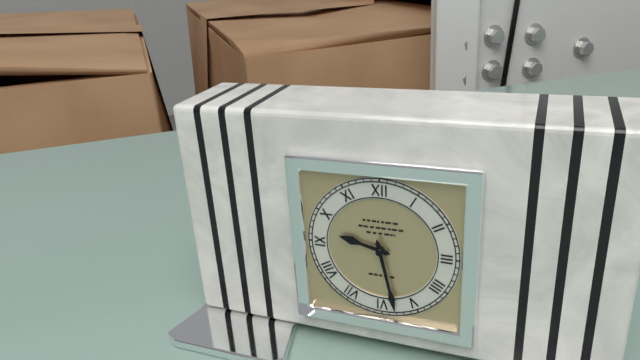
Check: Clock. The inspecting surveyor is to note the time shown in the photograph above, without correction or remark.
9:28
